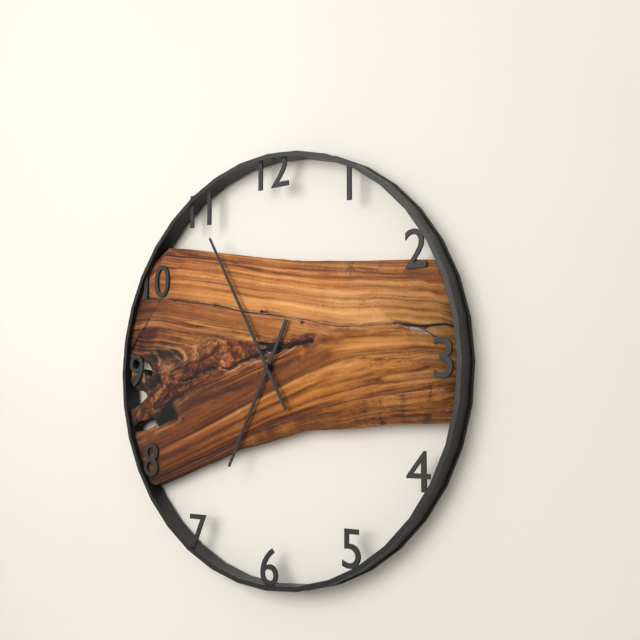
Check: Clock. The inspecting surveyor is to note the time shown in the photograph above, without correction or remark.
6:55
